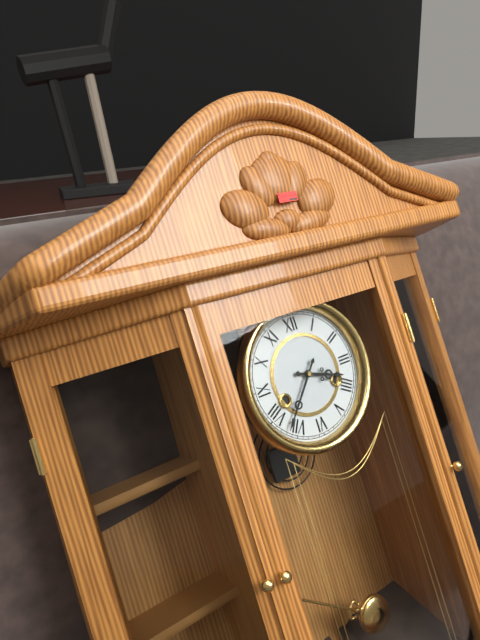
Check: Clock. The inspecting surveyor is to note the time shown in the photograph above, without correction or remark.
3:37
